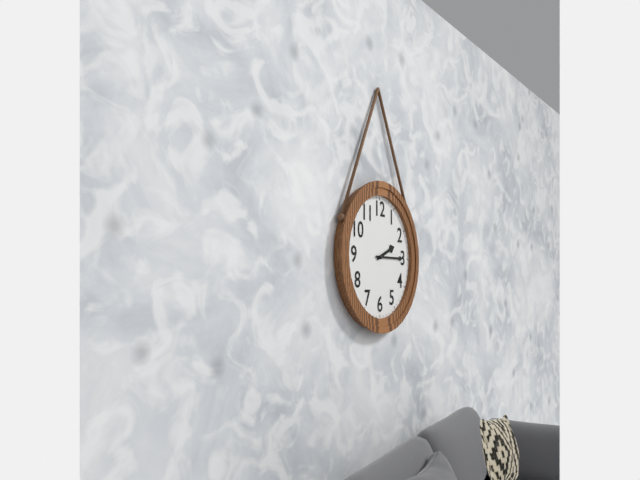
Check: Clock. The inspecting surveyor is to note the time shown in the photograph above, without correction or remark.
2:15
